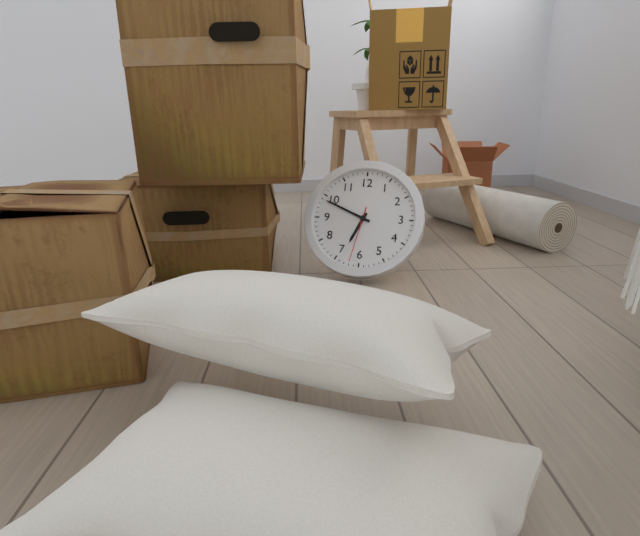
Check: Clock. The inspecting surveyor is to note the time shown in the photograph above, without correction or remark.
6:49:32
